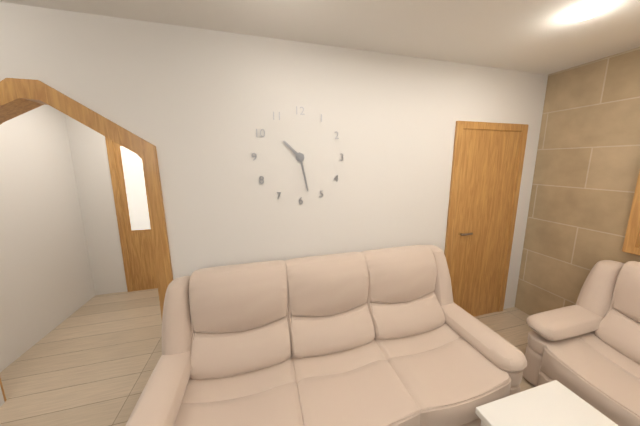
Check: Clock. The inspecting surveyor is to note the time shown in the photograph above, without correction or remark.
10:28
